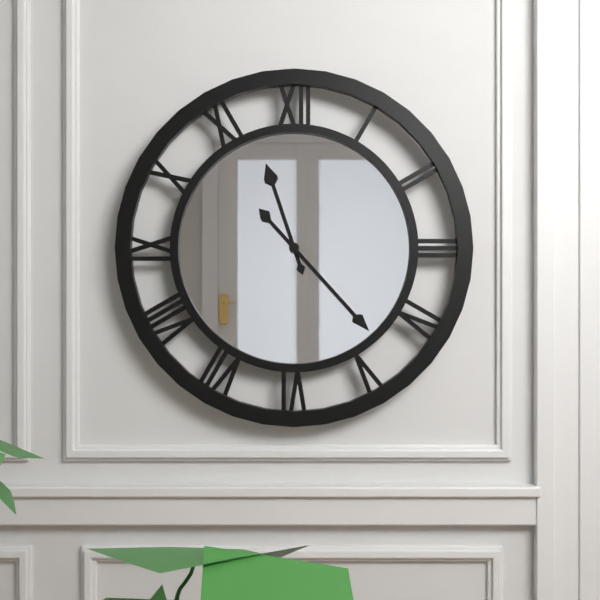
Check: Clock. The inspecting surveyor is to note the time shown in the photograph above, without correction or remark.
11:23
